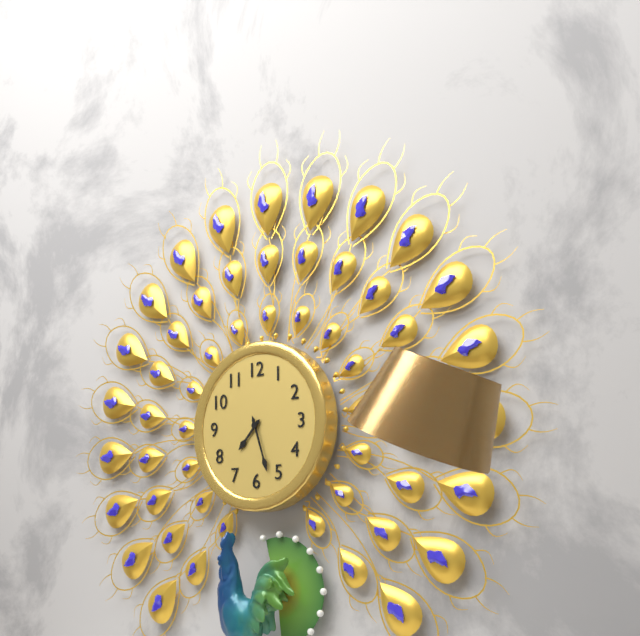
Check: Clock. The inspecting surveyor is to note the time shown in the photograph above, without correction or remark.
7:27
